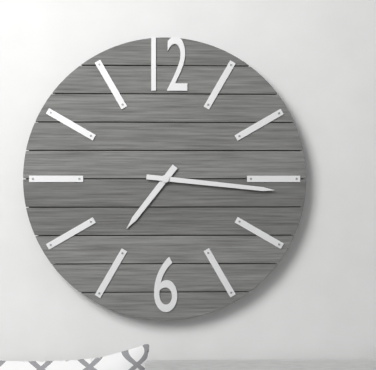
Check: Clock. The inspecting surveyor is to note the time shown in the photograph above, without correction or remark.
7:16
